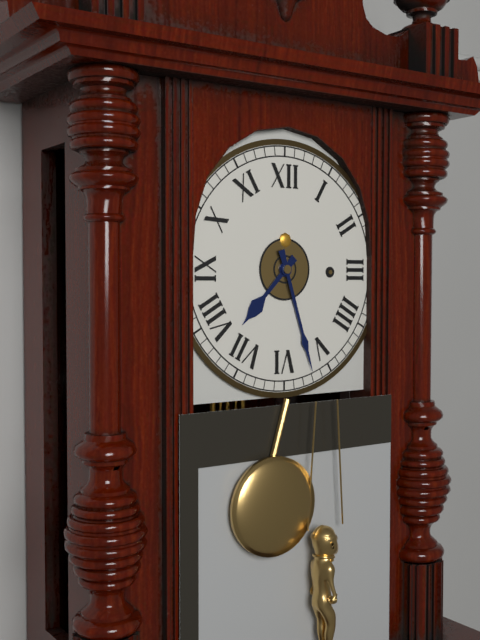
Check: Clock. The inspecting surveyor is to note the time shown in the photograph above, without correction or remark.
7:27
